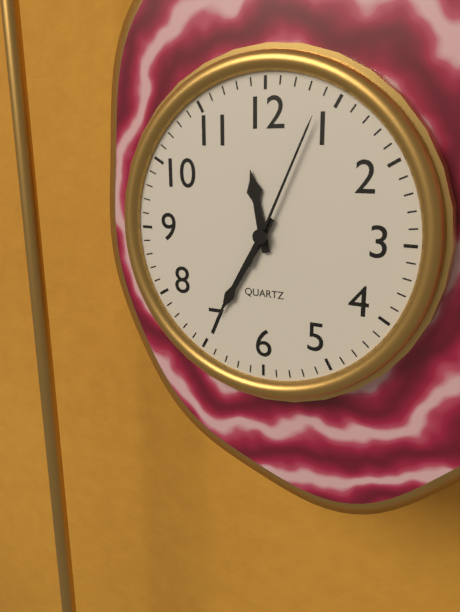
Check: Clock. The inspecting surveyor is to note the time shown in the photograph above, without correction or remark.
11:35:04
